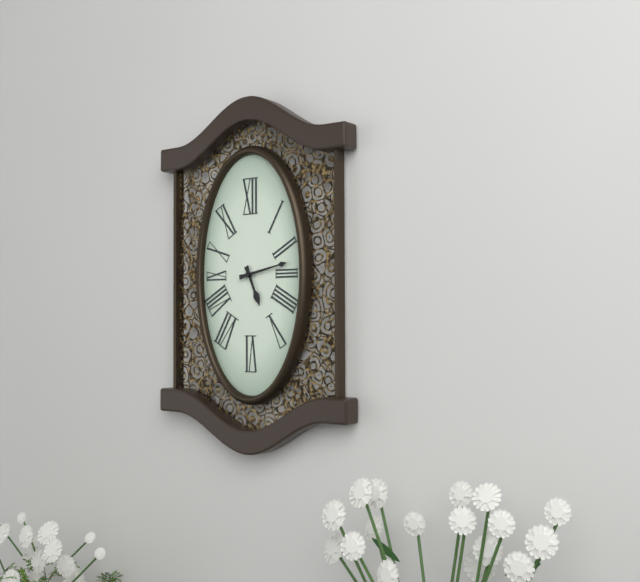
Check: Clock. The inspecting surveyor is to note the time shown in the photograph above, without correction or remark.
5:13
